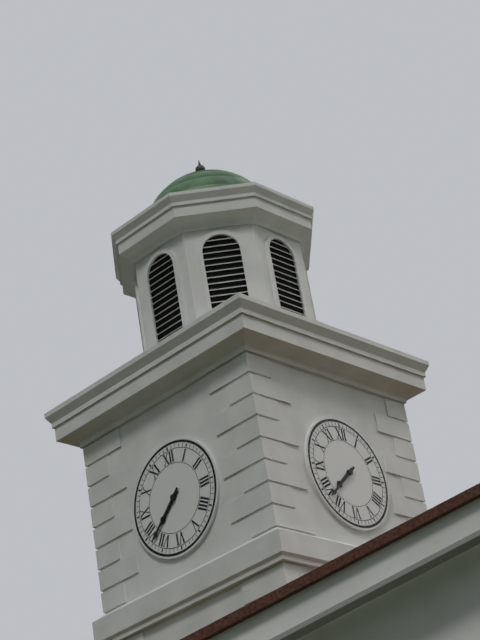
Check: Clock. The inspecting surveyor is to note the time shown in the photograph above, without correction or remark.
7:38
